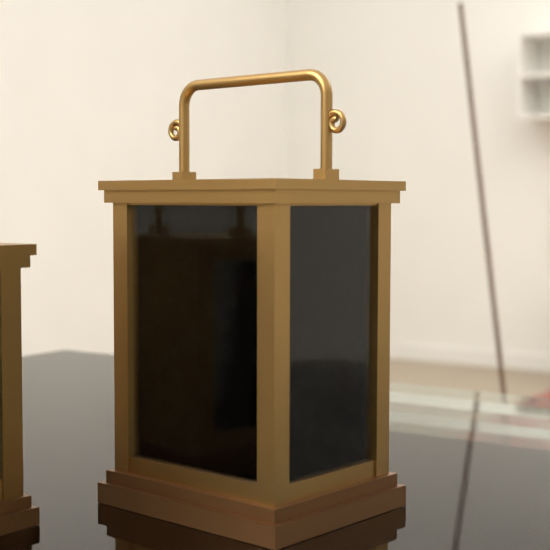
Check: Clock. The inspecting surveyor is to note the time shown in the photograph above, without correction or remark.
4:45
